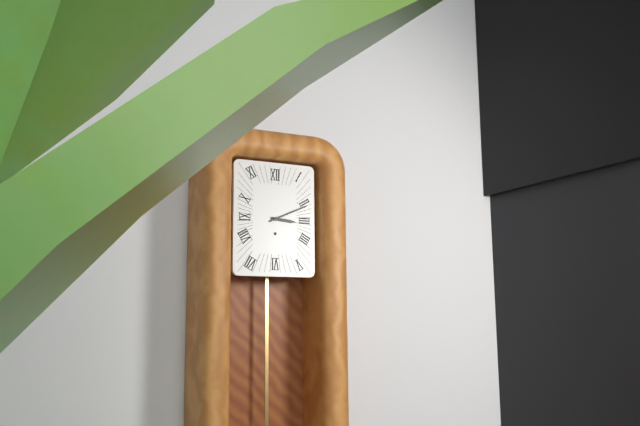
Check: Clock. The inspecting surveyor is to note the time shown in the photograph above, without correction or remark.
3:11
